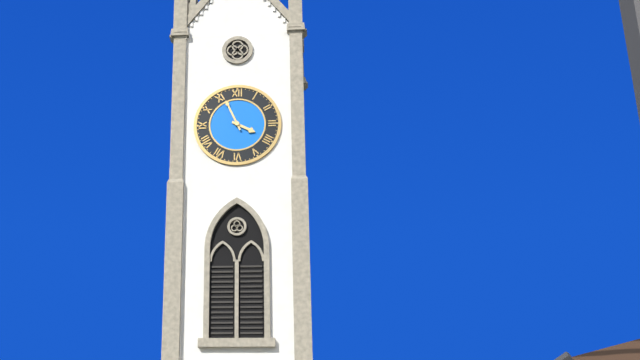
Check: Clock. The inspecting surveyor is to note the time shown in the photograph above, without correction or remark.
3:56
